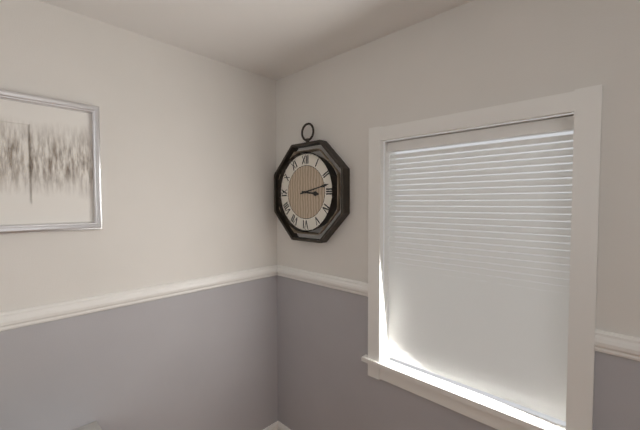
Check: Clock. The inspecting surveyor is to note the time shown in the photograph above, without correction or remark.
3:13
